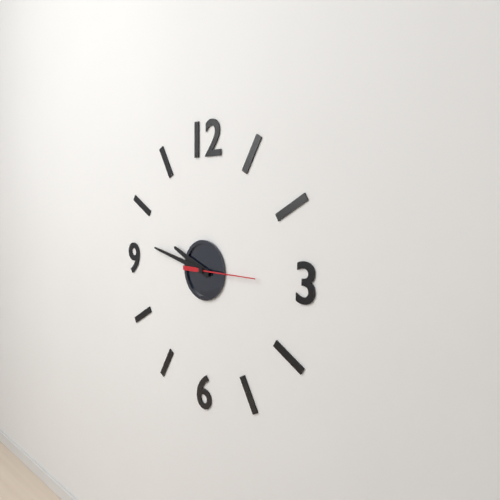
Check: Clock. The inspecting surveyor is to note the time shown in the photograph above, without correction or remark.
9:47:15
